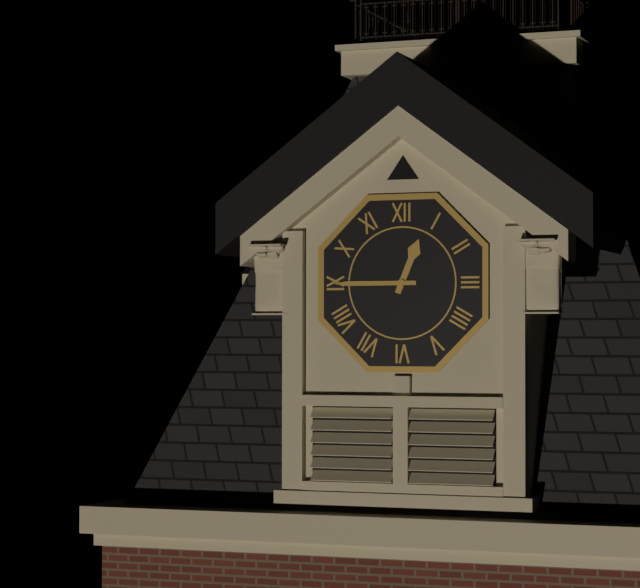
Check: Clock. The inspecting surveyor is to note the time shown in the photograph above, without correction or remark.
12:45
